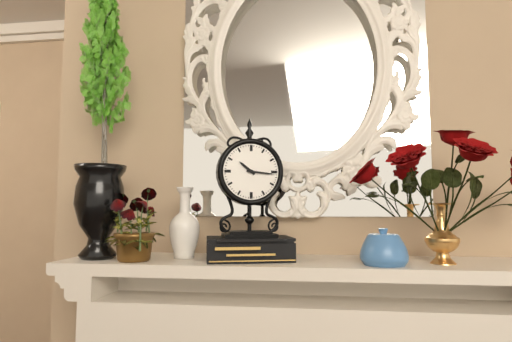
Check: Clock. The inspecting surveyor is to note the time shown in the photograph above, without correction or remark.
10:16
